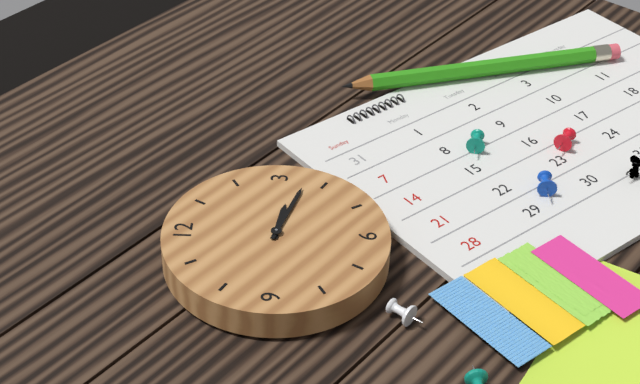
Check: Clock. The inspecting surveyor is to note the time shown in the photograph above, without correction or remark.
3:18
